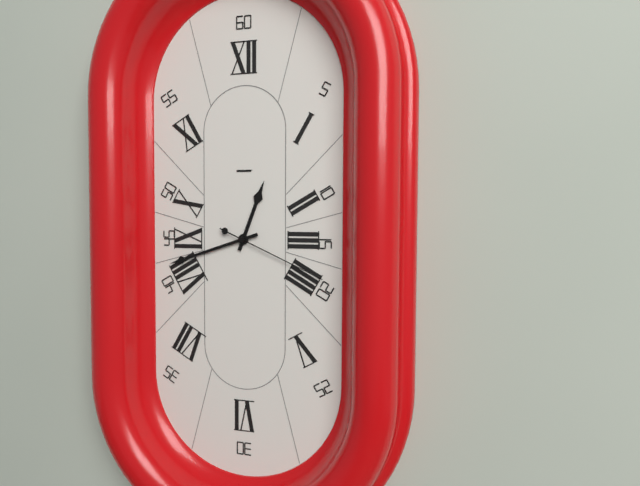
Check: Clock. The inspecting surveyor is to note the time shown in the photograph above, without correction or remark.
12:42:19
